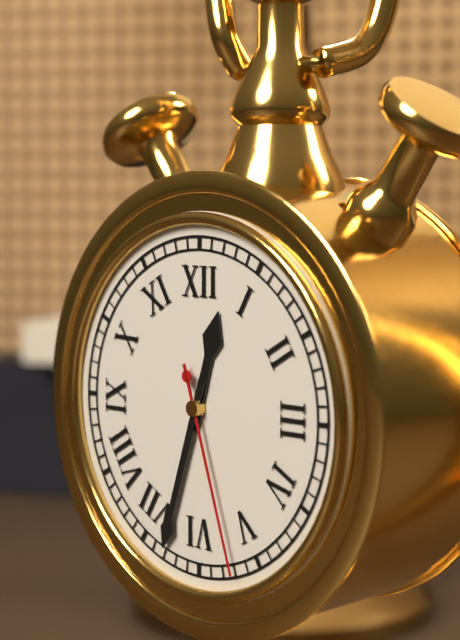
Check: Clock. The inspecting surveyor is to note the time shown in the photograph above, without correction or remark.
12:33:27
